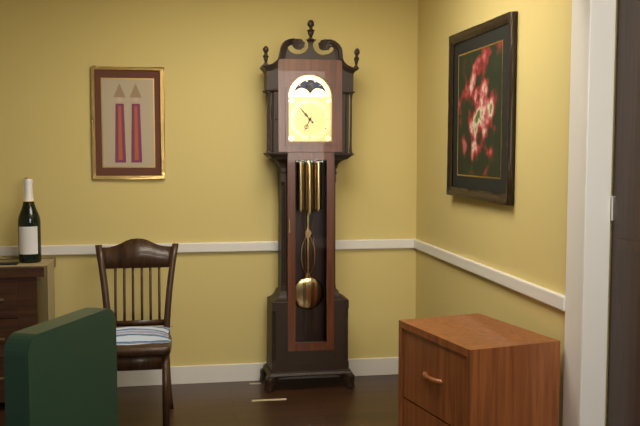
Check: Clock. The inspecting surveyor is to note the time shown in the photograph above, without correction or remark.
6:53
